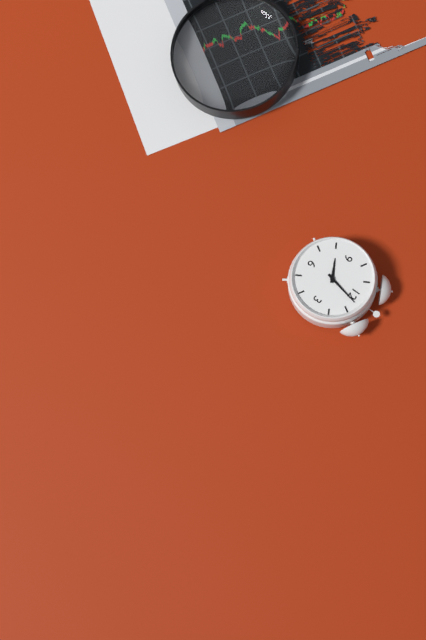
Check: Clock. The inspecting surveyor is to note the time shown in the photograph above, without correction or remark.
8:02
